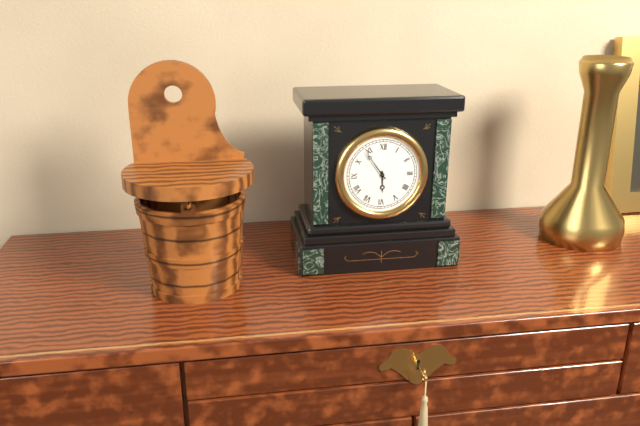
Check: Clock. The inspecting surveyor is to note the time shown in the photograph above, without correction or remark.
5:54
